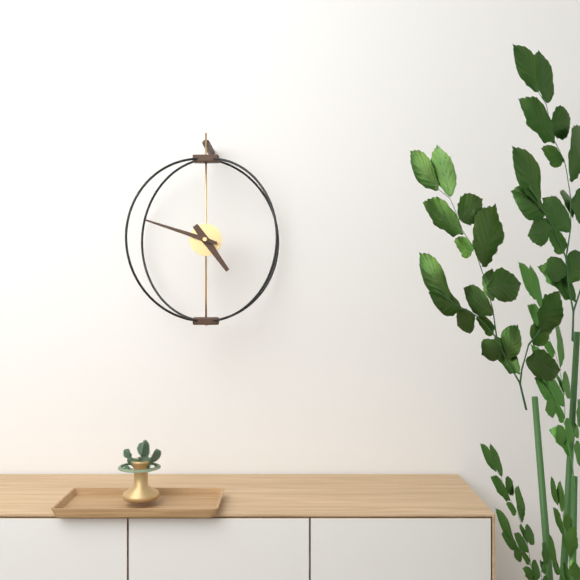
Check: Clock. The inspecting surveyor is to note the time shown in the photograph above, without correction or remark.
4:48
